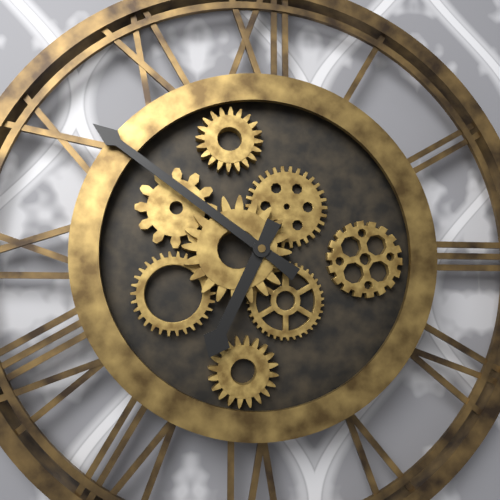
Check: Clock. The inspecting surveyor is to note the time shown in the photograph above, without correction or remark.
6:51
